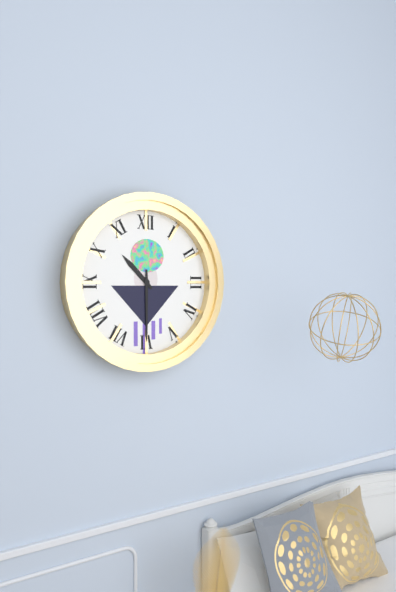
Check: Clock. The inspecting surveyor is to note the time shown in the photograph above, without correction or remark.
10:30
